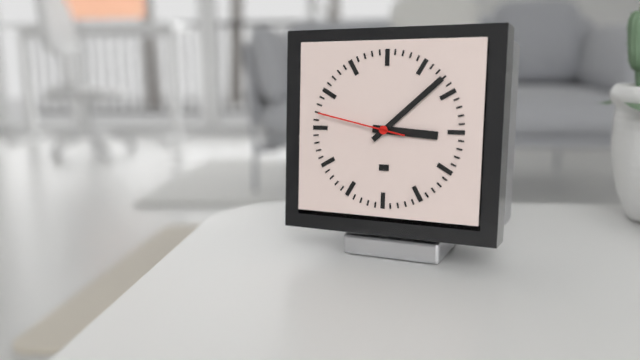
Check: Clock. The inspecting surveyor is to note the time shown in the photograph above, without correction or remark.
3:08:47
